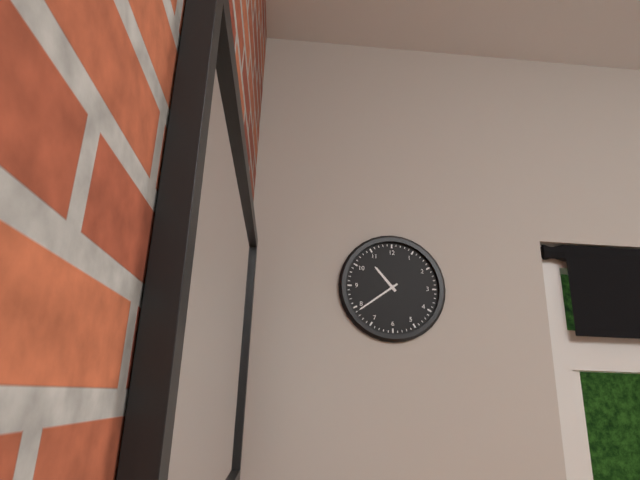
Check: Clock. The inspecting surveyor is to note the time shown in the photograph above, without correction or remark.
10:39
